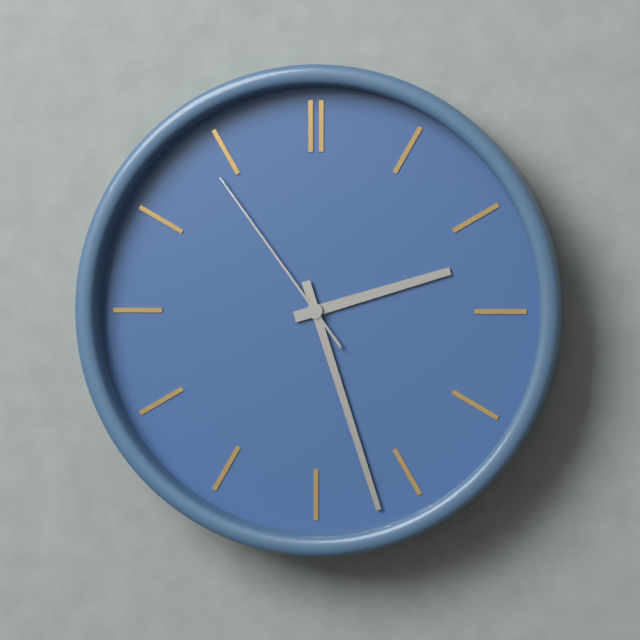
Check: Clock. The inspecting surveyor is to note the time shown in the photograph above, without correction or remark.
2:27:54
